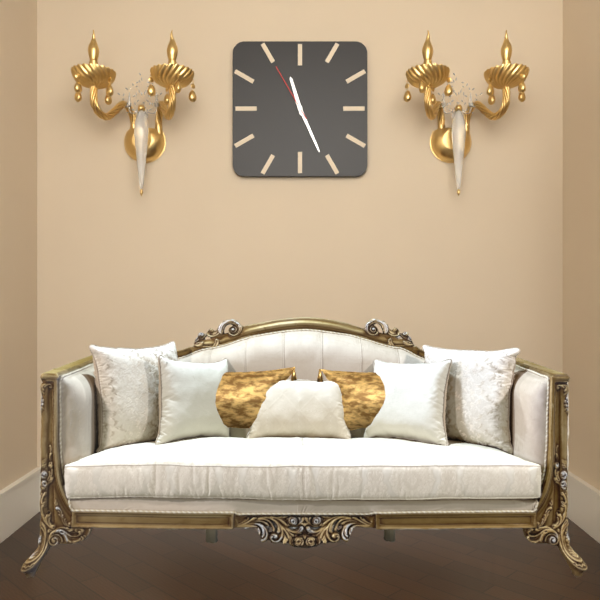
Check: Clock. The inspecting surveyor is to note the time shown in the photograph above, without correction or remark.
11:26:55
